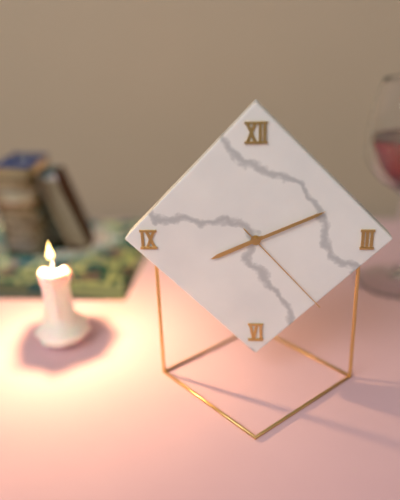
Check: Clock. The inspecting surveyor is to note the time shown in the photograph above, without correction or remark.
8:11:23
